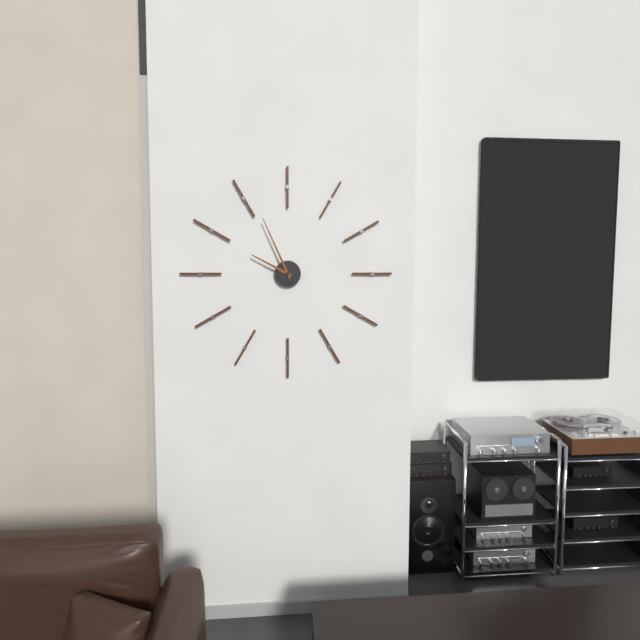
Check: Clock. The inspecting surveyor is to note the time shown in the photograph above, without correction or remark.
9:56
